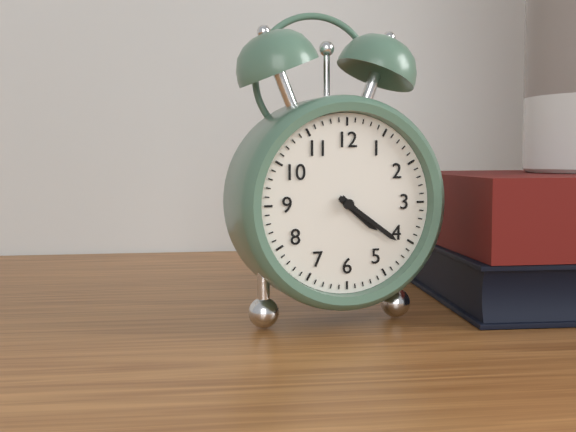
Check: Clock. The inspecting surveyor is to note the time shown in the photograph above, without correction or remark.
4:21
